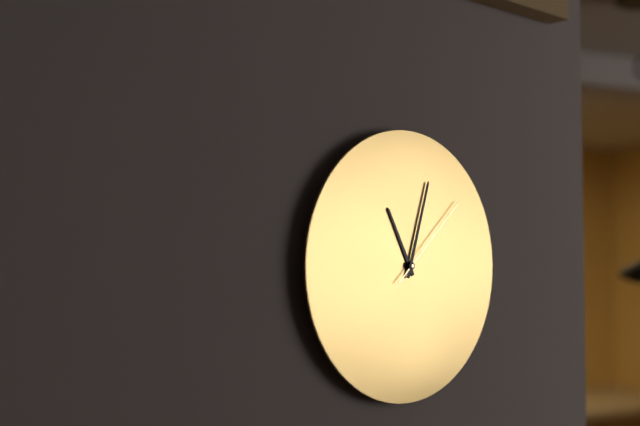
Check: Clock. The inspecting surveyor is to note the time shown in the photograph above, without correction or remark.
11:03:08
